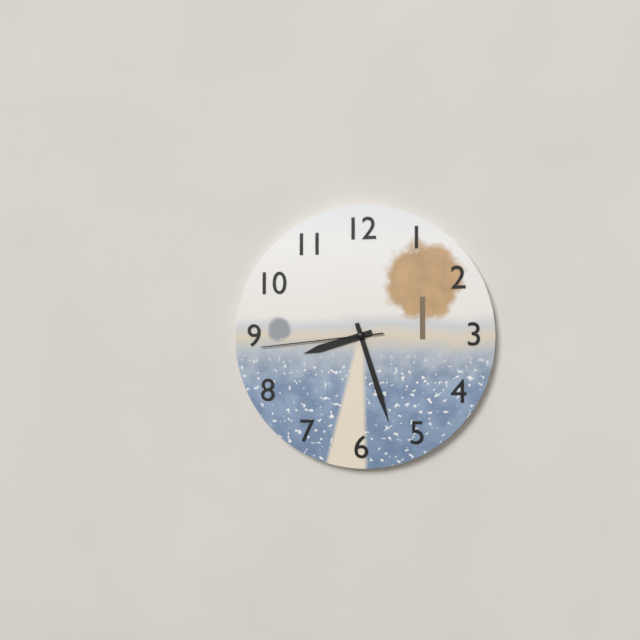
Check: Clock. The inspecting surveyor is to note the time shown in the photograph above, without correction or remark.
8:27:44
